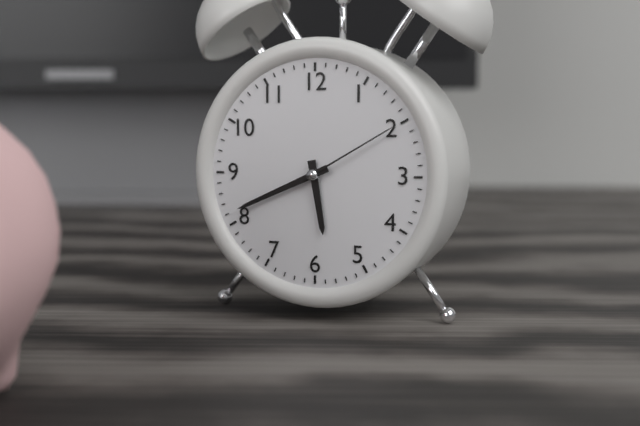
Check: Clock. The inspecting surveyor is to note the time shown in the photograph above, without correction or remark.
5:41:10
